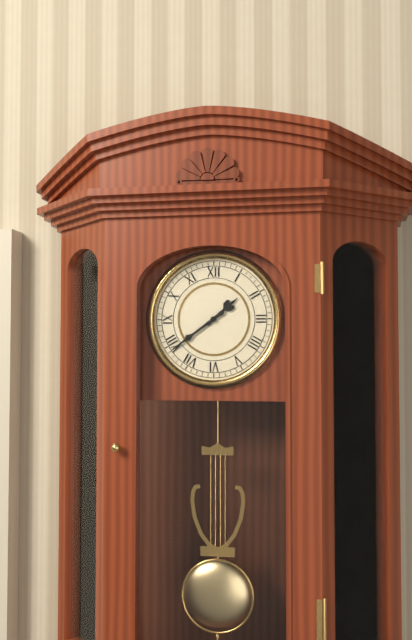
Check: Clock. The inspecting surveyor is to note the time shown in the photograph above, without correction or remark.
1:39
